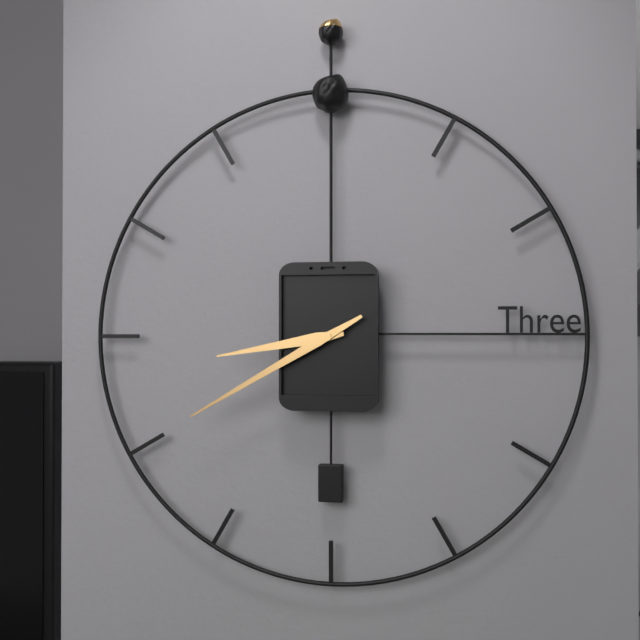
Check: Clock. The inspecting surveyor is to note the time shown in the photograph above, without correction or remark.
8:40
